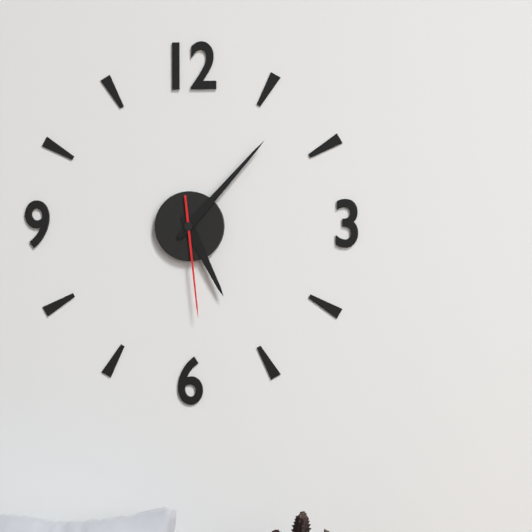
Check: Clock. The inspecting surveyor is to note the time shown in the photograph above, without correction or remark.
5:07:29
